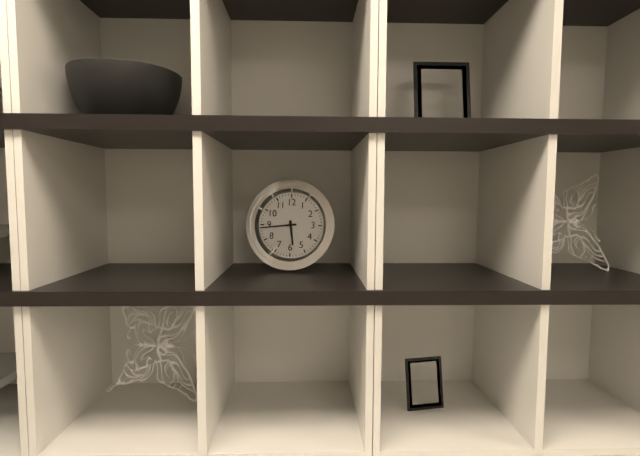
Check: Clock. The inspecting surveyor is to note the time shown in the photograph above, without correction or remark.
5:44
